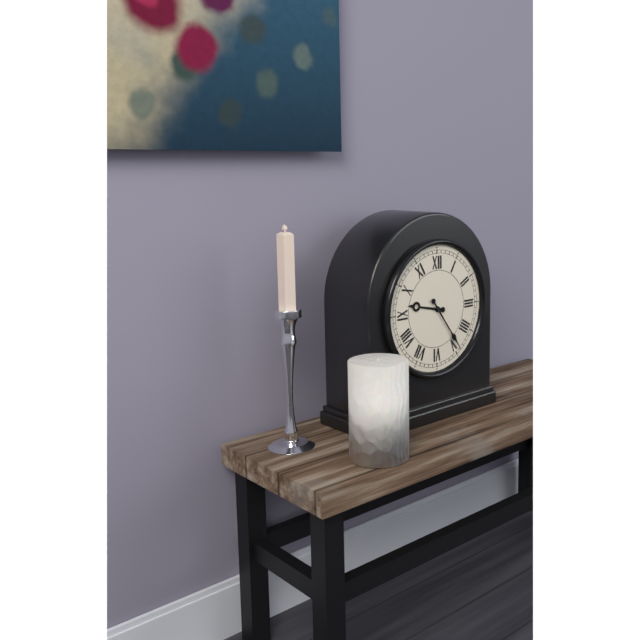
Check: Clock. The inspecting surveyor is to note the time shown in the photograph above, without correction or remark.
9:24
